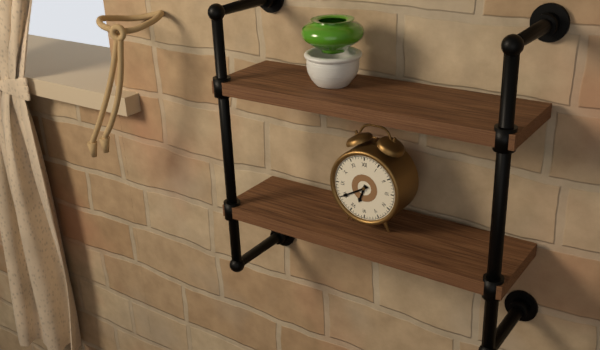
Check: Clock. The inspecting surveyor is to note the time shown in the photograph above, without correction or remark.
6:40
